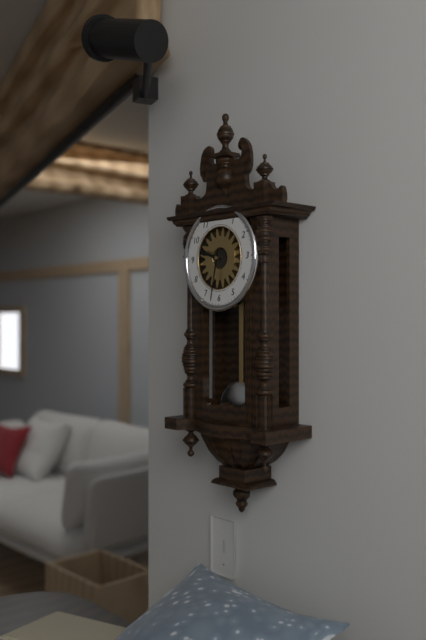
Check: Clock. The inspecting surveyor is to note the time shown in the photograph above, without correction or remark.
9:32
